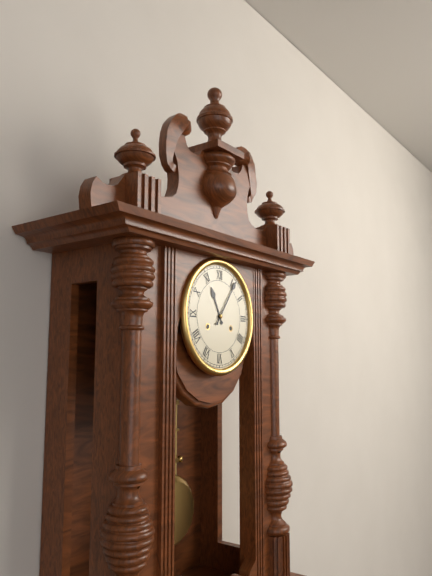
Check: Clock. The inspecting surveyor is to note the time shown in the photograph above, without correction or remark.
11:06
